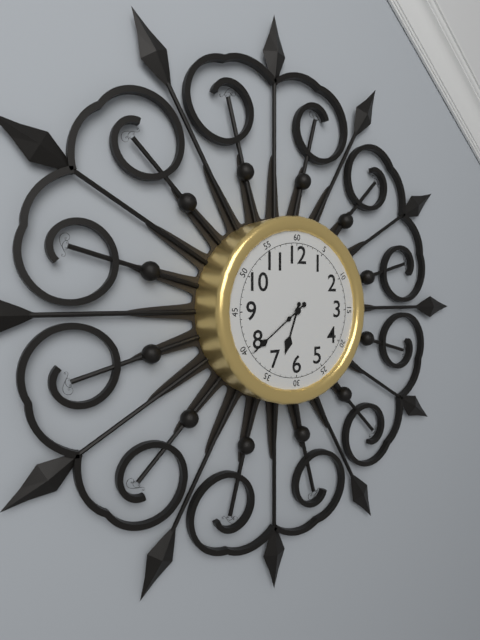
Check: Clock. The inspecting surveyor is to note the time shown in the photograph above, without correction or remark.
6:39
